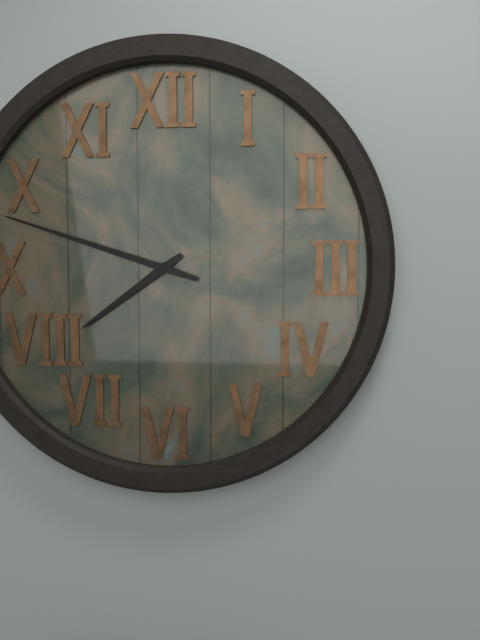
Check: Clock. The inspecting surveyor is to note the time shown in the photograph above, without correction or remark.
7:48
